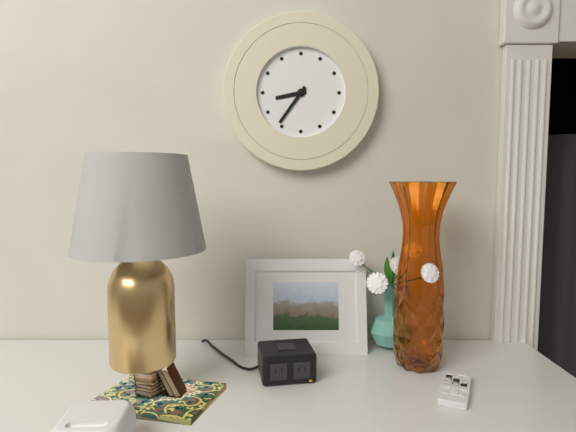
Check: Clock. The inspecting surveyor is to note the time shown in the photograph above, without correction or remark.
8:36
